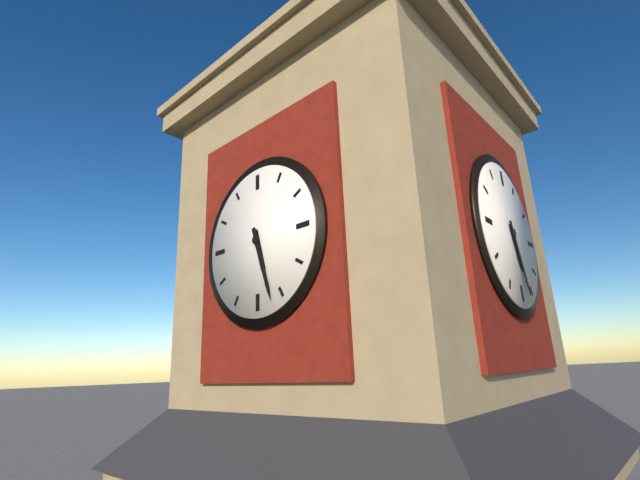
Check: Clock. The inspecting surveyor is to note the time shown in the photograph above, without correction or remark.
5:27
